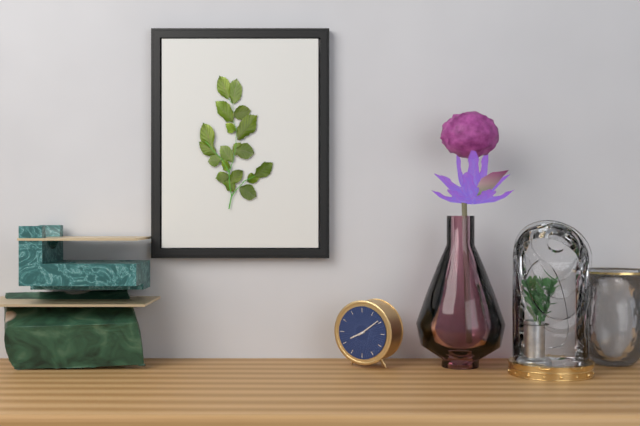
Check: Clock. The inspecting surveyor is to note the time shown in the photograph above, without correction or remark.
8:09
